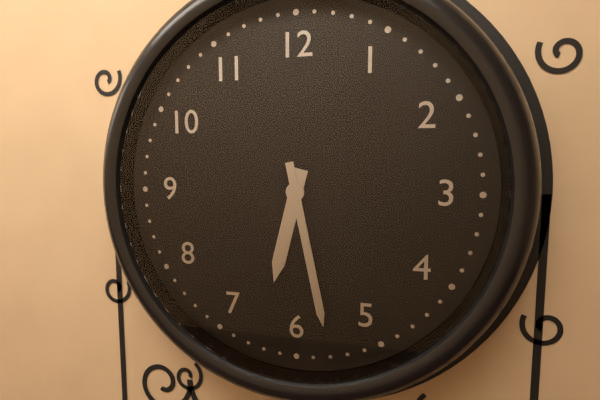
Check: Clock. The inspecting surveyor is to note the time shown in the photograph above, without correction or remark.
6:28
